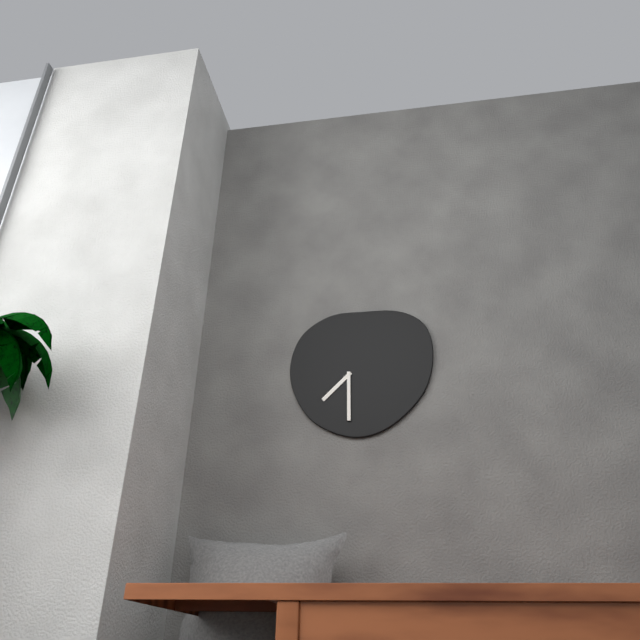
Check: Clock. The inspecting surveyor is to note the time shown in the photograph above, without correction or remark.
7:30
